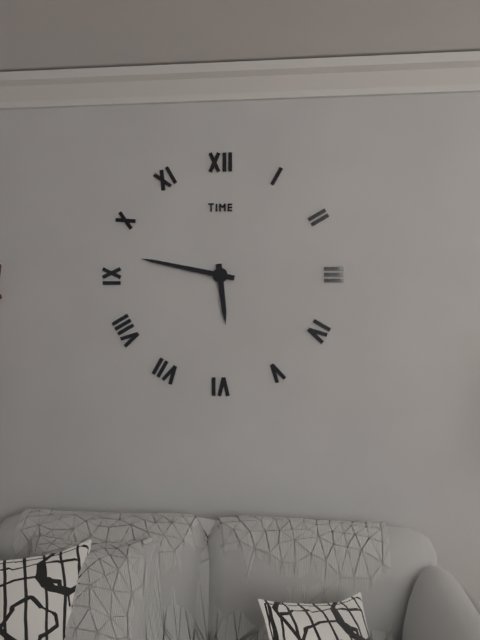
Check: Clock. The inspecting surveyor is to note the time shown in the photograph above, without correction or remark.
5:47
